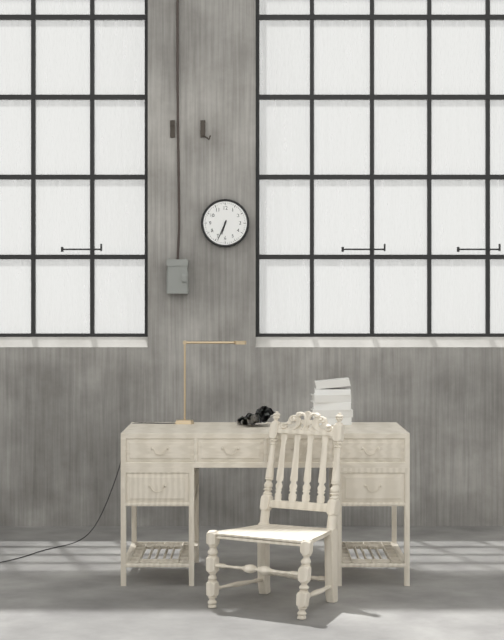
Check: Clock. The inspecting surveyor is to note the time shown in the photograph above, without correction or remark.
6:34
